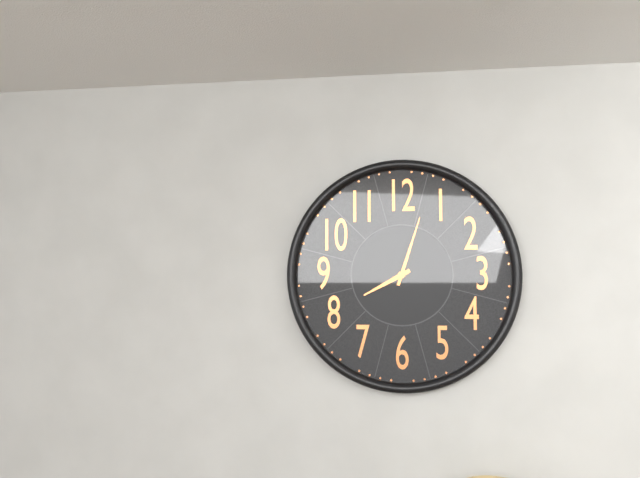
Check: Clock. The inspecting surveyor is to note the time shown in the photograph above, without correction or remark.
8:03
